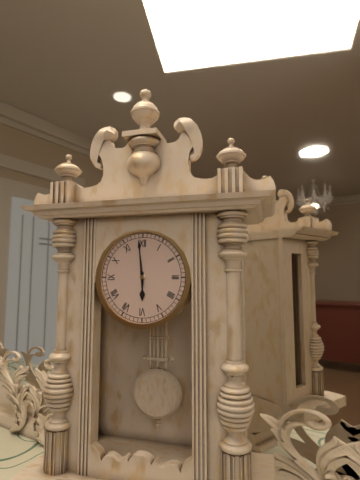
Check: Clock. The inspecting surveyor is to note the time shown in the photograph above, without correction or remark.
5:59
